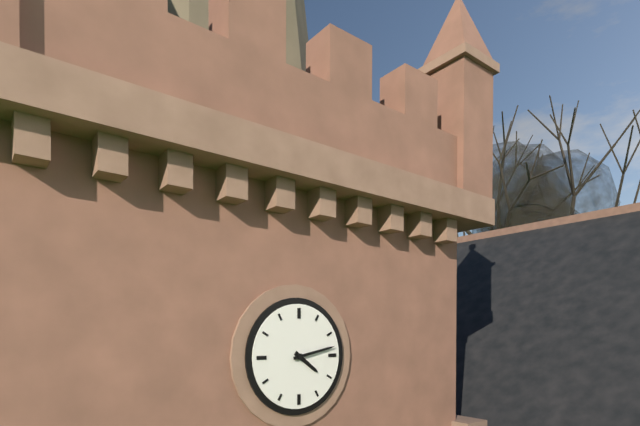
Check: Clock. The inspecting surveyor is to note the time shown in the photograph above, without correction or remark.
4:13
